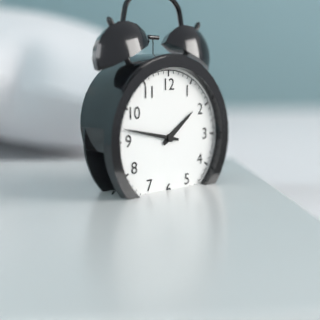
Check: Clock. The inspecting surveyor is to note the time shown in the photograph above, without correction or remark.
1:47
